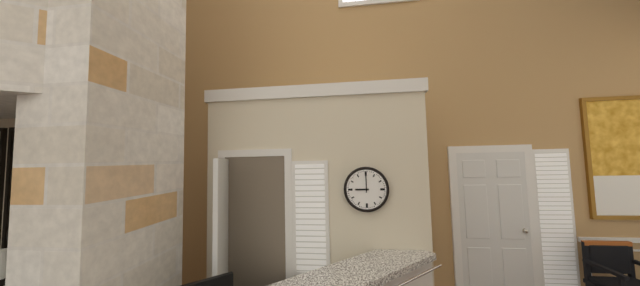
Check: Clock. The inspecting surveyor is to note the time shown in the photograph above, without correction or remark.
9:00
